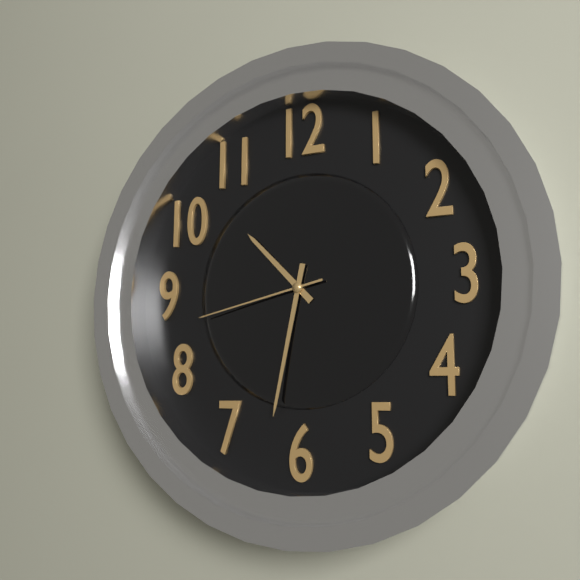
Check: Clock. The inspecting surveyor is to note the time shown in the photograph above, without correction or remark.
10:32:43
